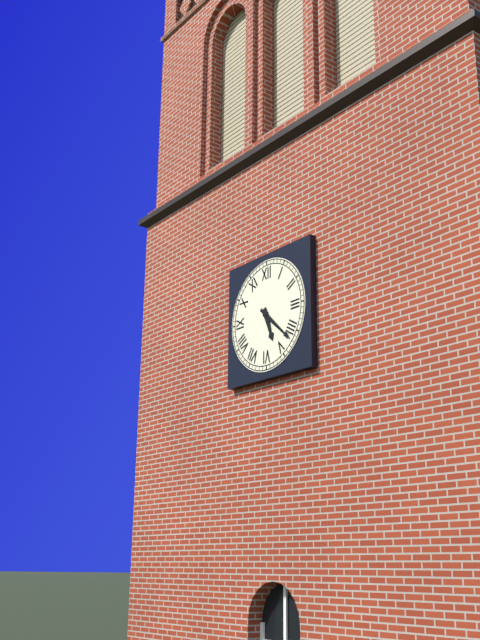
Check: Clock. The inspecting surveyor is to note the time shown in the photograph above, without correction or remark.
5:22
